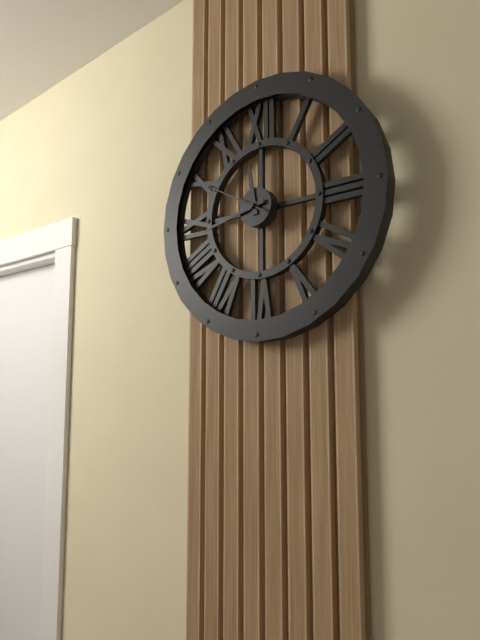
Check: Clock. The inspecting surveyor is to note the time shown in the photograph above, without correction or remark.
11:43:50
